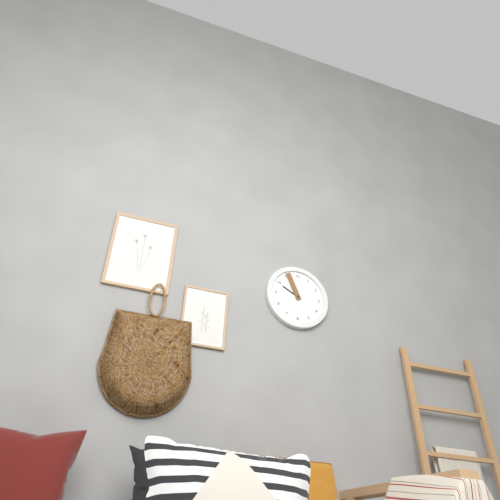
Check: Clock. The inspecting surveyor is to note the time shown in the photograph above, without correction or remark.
9:56
